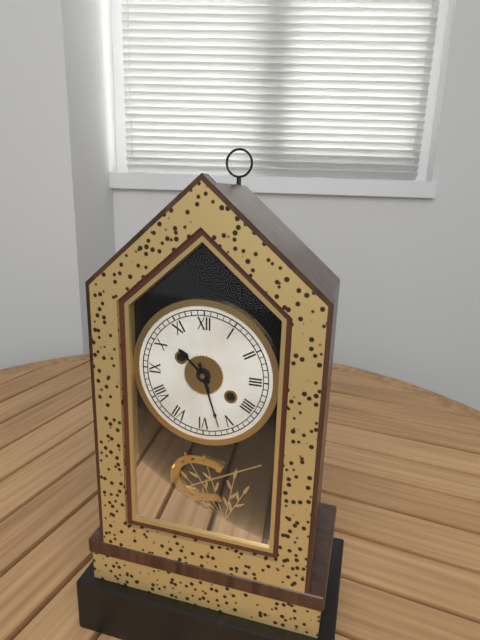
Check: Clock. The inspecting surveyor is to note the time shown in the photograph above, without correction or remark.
10:27
